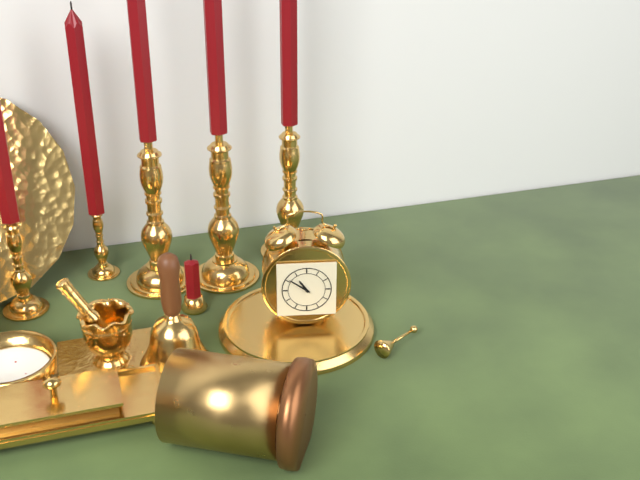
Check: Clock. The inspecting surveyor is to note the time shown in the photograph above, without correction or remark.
10:51
